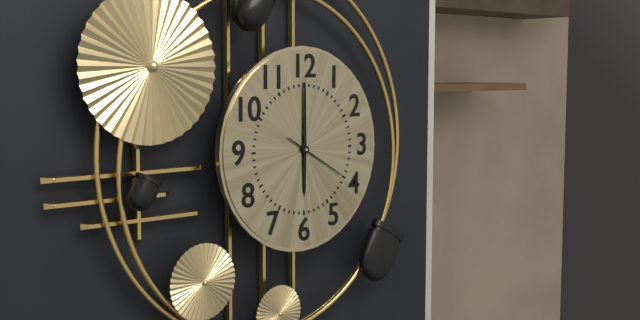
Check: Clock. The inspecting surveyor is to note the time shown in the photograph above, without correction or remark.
6:00:20
